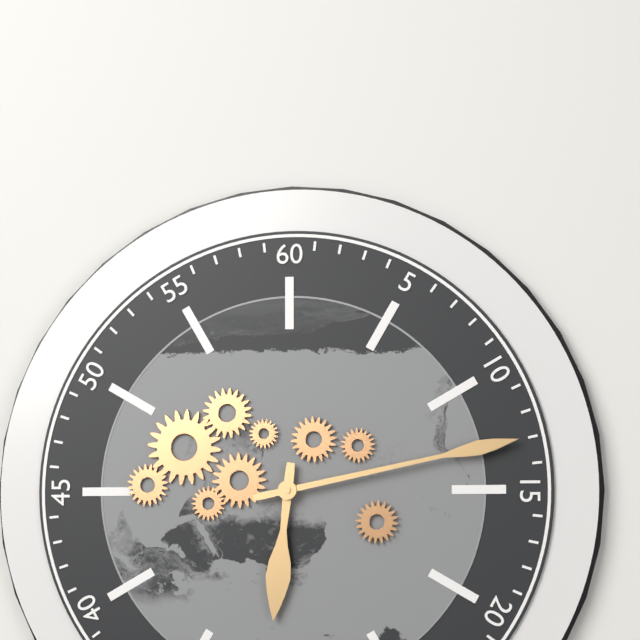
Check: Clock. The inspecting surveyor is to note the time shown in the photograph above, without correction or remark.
6:13
